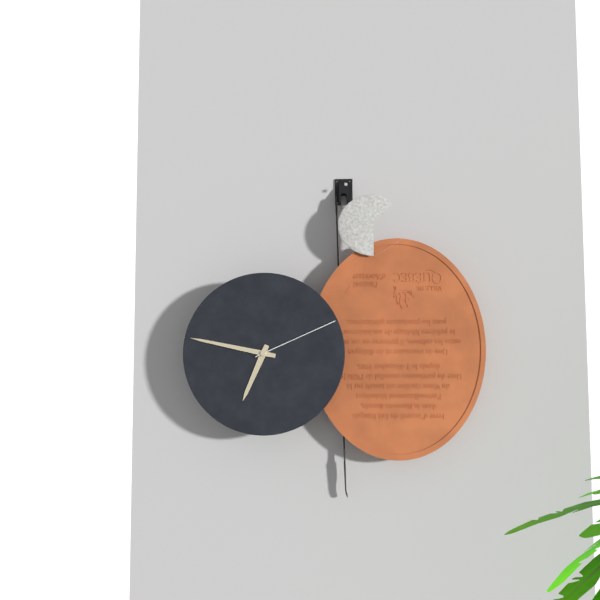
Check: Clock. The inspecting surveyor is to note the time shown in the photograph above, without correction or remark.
6:47:11
